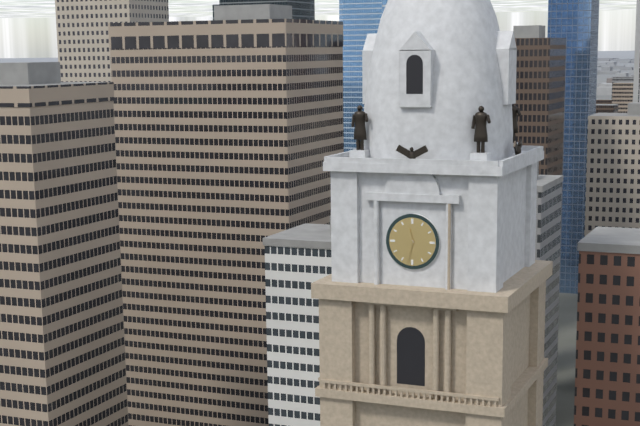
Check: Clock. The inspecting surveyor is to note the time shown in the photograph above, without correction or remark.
11:32
